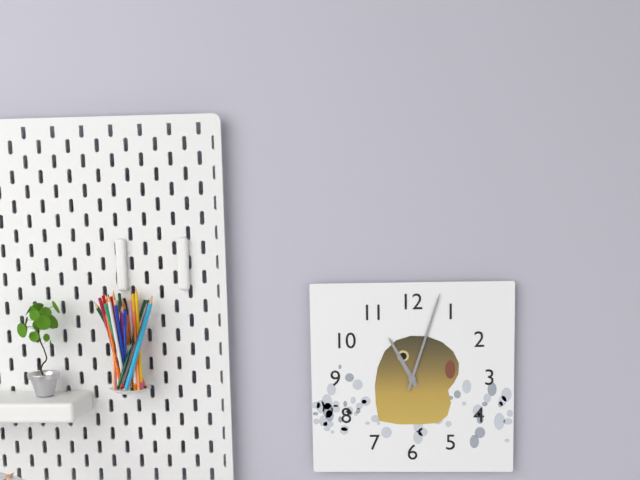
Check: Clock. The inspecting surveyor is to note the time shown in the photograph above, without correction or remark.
11:03
